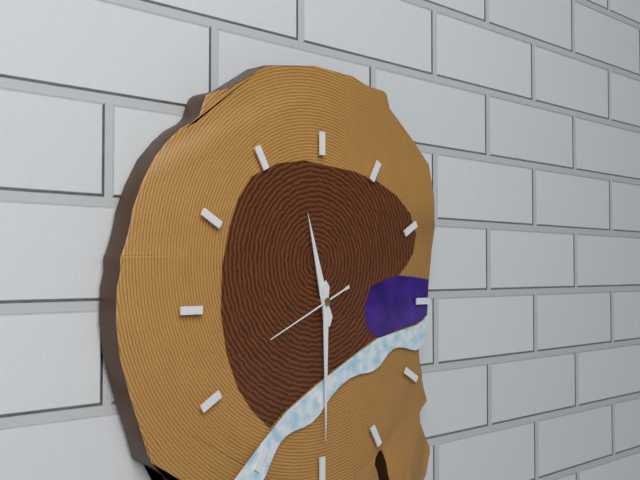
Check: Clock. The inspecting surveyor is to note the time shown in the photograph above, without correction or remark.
11:30:41
